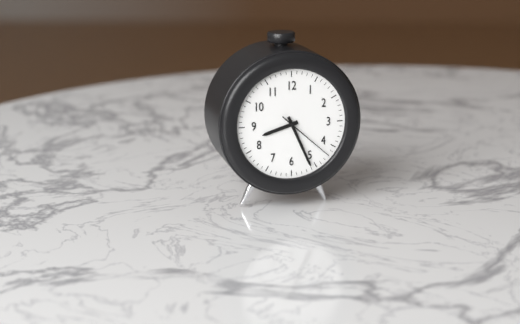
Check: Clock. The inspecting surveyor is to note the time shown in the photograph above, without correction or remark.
8:26:22
